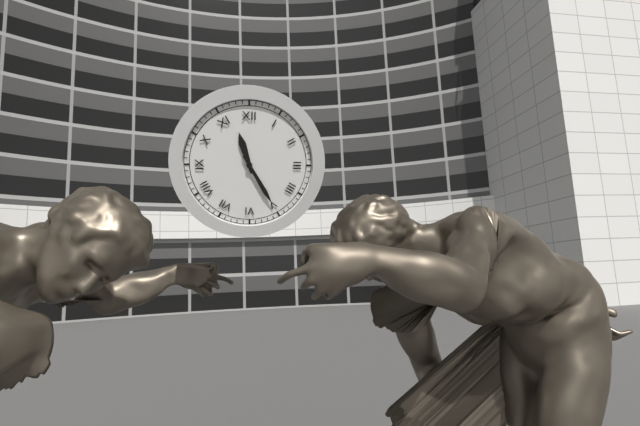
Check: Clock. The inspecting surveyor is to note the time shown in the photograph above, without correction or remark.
11:25
